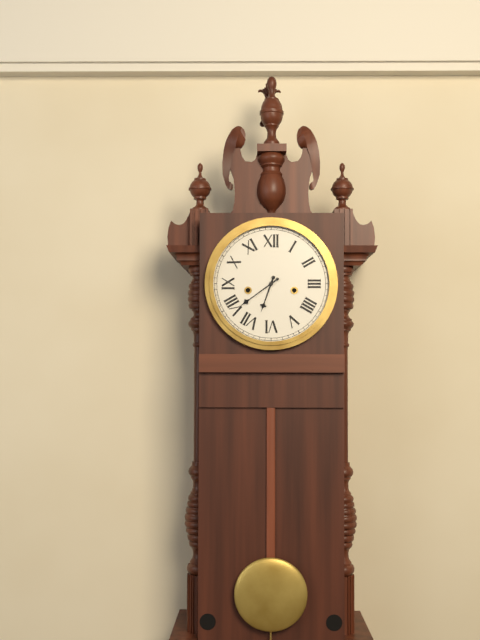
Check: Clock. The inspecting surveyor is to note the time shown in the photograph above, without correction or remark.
6:39
